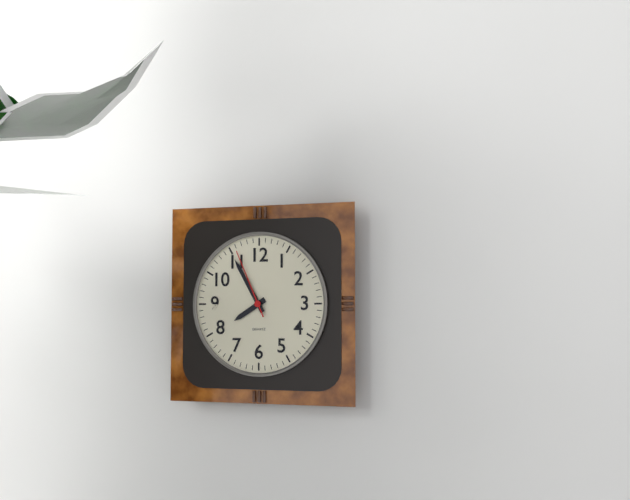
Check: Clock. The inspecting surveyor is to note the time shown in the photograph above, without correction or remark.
7:55:56
